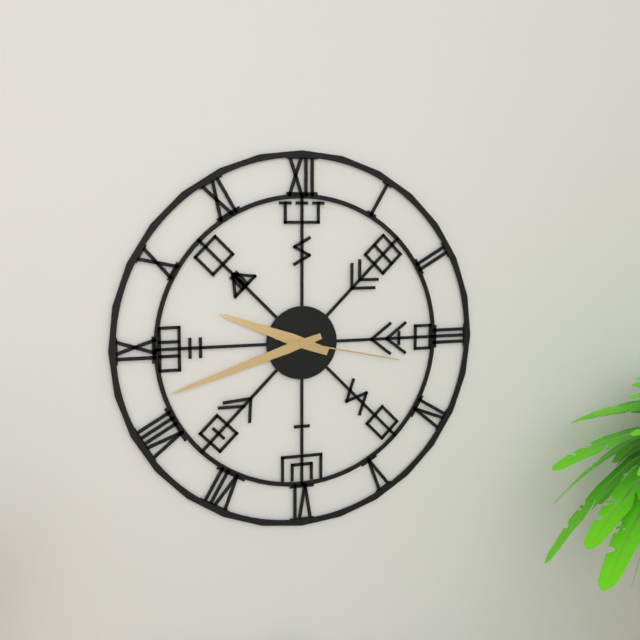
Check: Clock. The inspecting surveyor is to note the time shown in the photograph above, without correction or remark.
9:42:17
